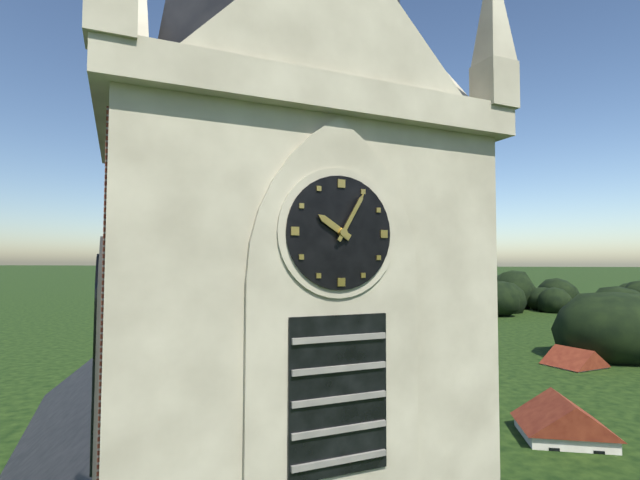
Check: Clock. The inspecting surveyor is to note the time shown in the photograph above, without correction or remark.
10:05
